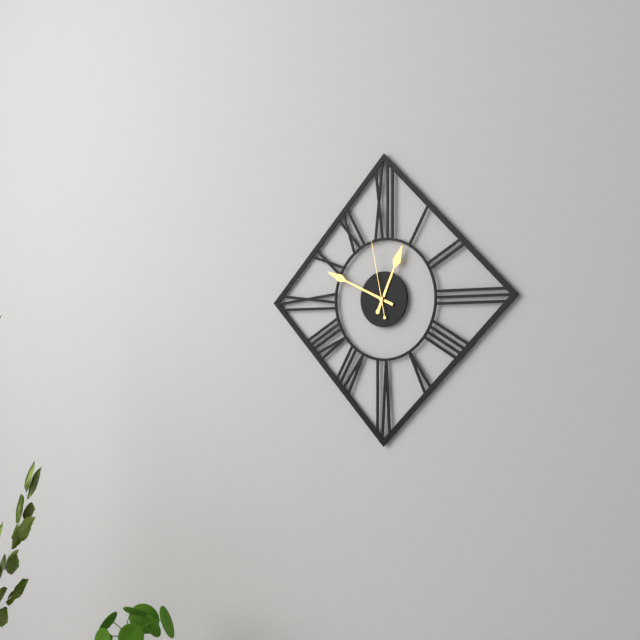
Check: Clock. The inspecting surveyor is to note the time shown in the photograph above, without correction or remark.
12:49:58
